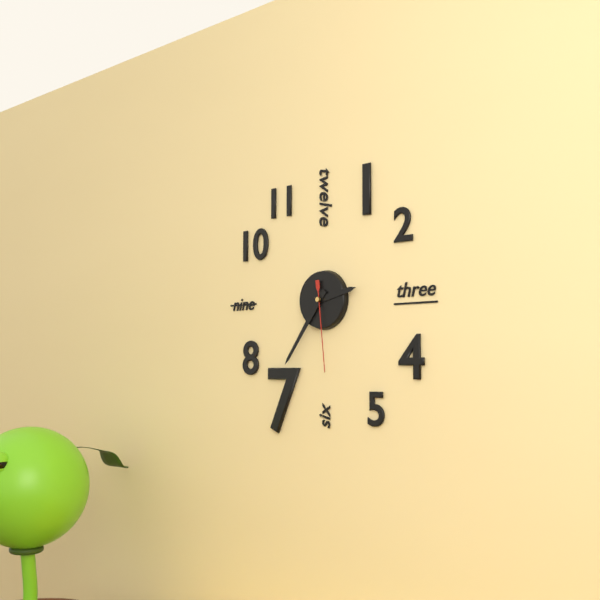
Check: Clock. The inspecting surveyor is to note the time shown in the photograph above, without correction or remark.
2:36:29
